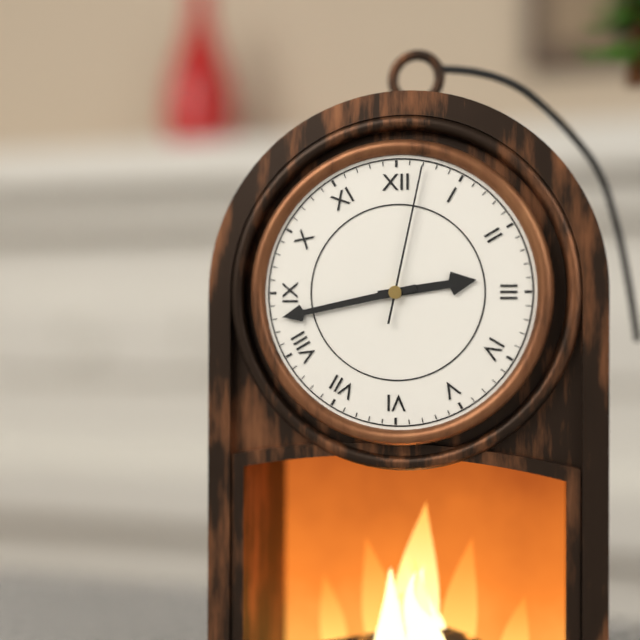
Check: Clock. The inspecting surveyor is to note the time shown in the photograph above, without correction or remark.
2:43:02
